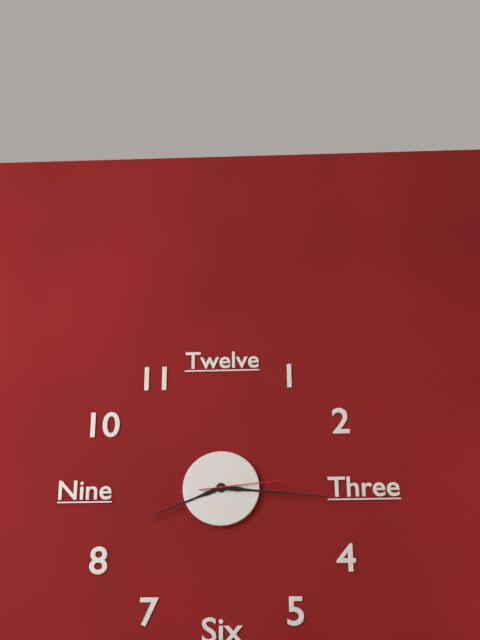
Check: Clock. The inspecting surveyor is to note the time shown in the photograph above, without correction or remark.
8:16:14
